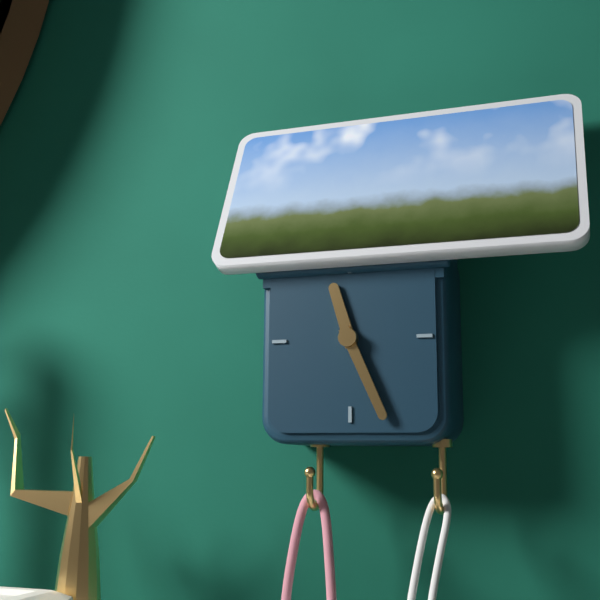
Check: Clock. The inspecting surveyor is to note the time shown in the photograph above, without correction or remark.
11:26
